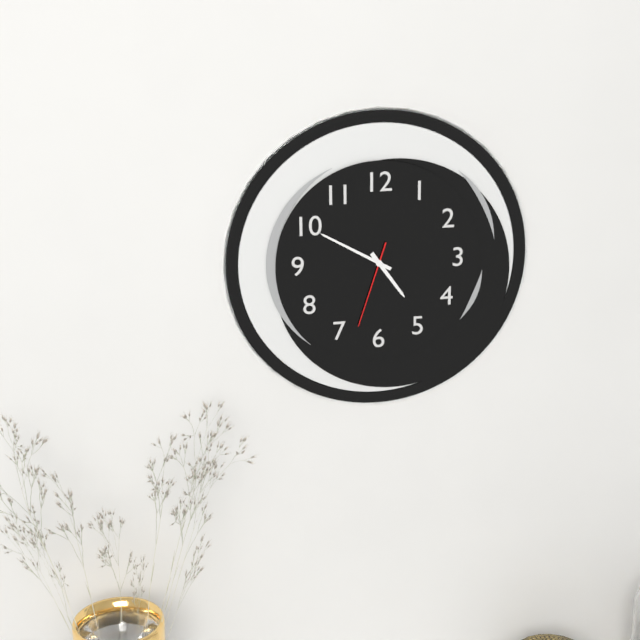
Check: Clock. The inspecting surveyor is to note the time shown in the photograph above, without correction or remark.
4:50:33
